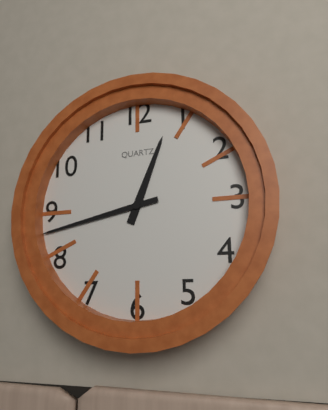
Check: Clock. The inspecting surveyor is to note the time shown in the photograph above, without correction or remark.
12:43
